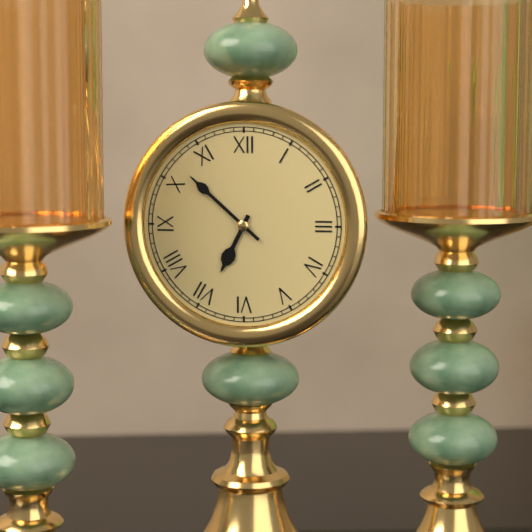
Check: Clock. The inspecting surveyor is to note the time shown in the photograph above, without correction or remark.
6:52
